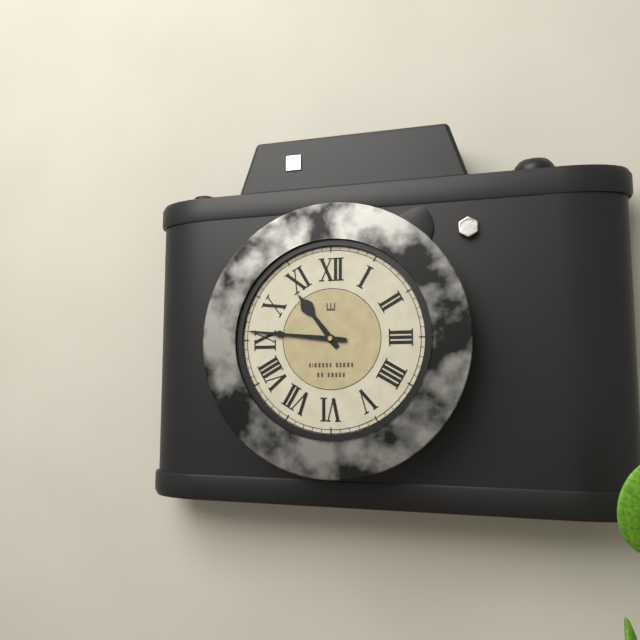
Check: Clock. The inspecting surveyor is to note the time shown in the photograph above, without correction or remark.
10:46
